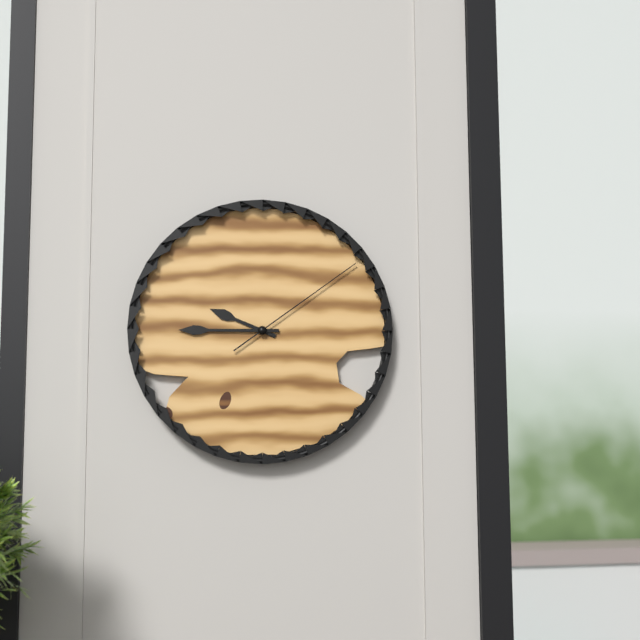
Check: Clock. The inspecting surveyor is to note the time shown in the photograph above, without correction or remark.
9:45:09
